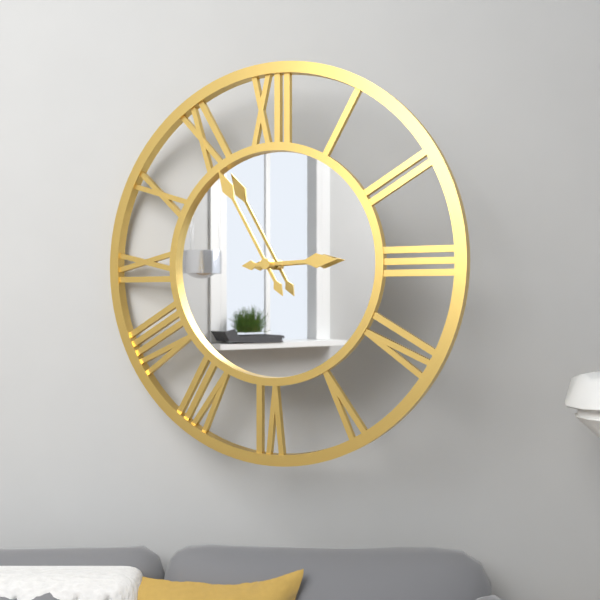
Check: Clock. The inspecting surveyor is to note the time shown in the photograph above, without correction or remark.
2:55
